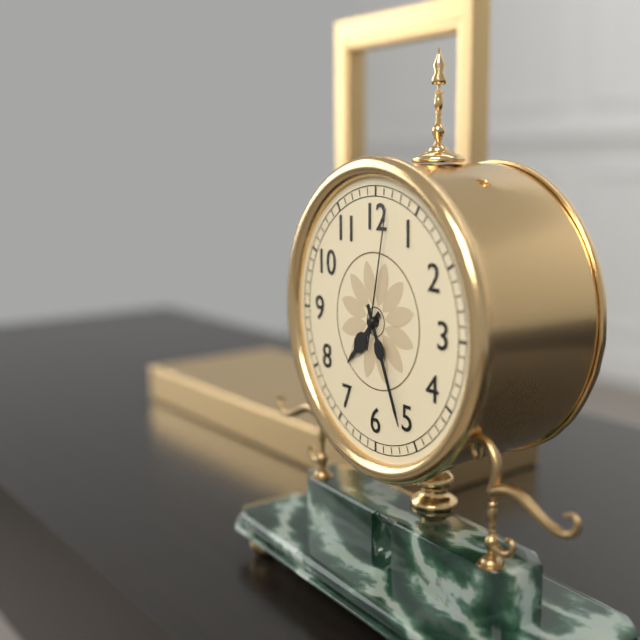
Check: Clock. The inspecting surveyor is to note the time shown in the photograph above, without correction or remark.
7:26:02
